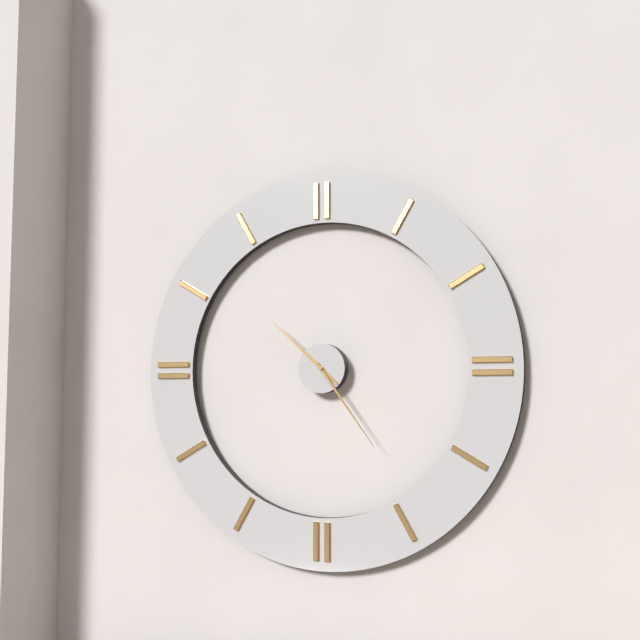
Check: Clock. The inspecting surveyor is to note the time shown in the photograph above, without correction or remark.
10:24
